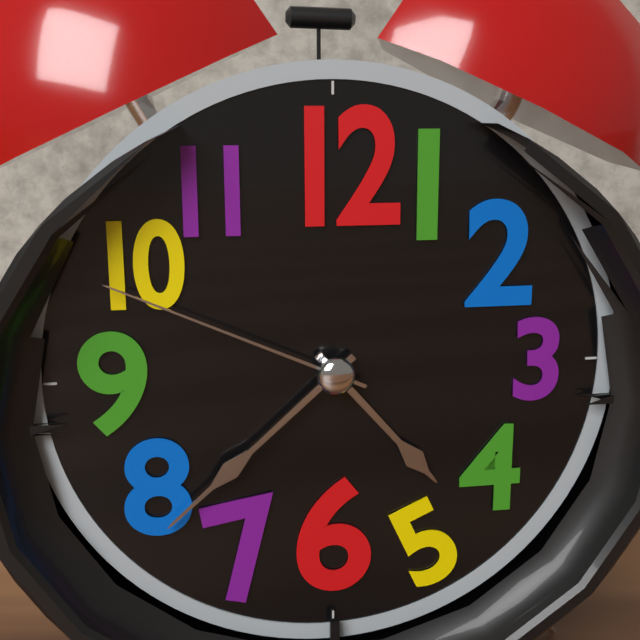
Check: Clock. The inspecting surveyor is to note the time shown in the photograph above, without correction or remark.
4:38:49
